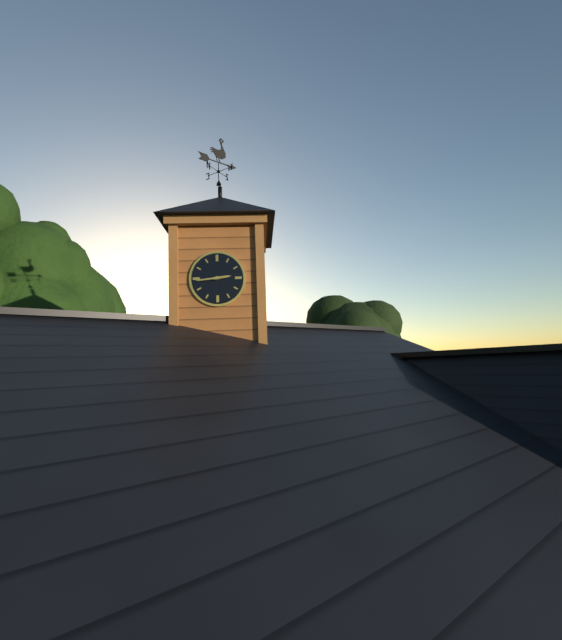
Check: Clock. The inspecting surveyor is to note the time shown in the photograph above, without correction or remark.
2:44
